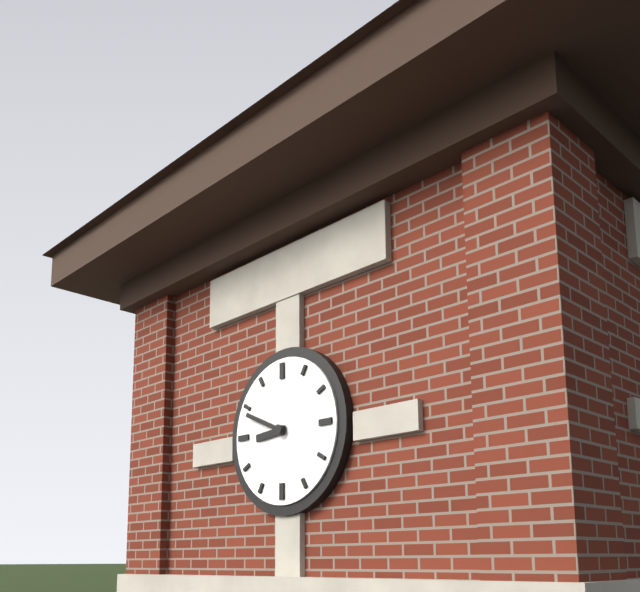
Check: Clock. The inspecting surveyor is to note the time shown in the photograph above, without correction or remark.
8:49
